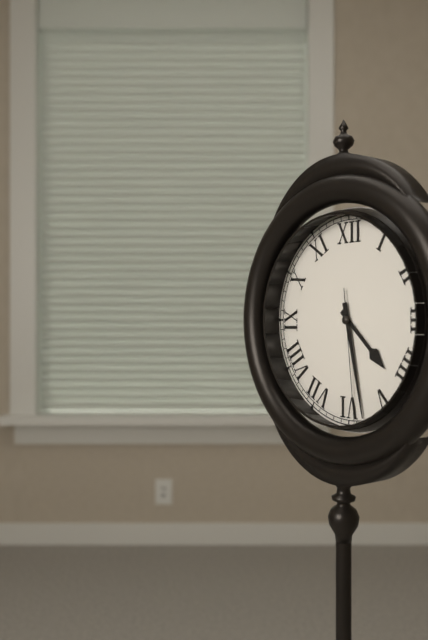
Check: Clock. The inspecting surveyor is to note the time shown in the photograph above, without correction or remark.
4:28:29
